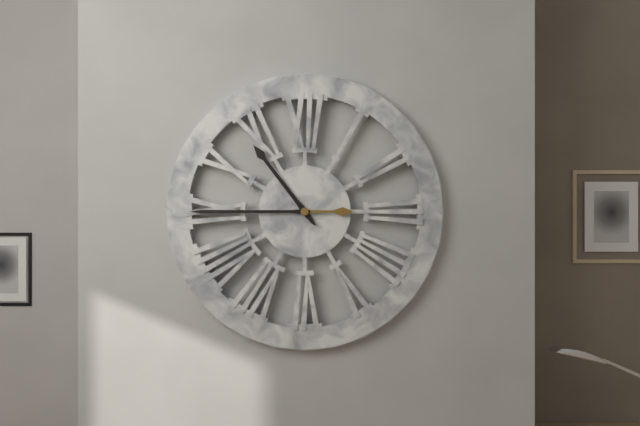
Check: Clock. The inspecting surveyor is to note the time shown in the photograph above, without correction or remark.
10:45
